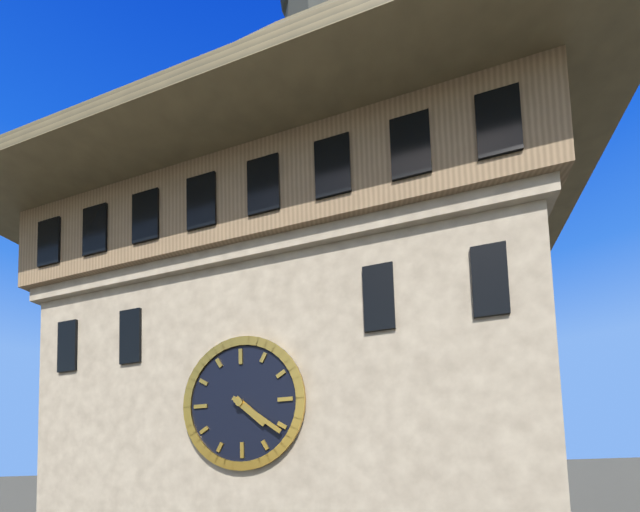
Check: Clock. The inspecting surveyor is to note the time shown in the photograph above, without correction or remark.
4:21
